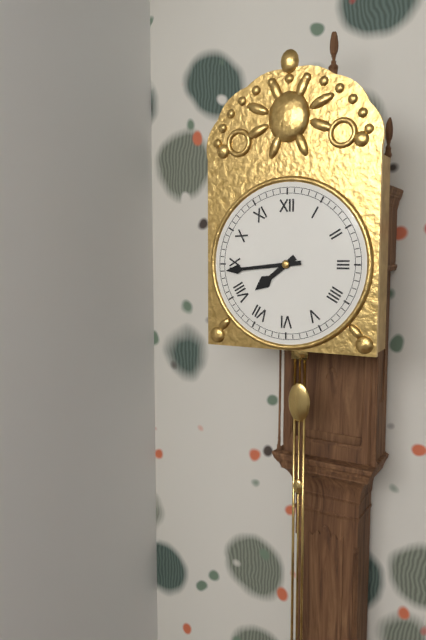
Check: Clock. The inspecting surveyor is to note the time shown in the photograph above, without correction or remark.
7:44
